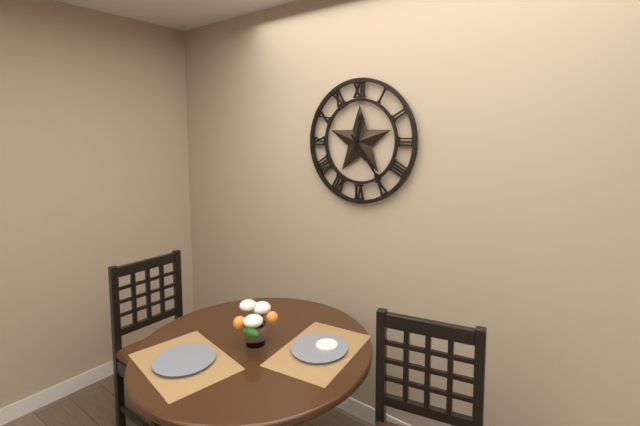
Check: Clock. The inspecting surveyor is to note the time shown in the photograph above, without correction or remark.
12:24
